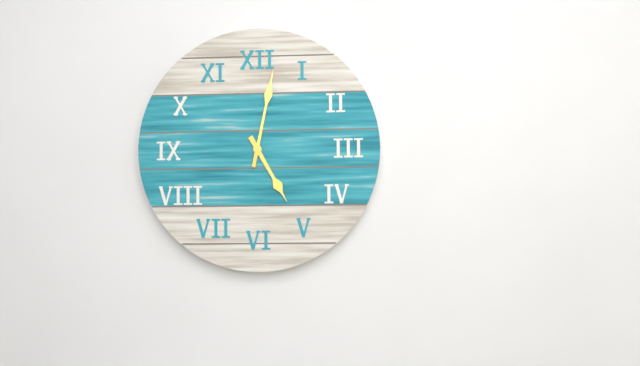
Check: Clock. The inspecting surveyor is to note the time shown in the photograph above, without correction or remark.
5:02
